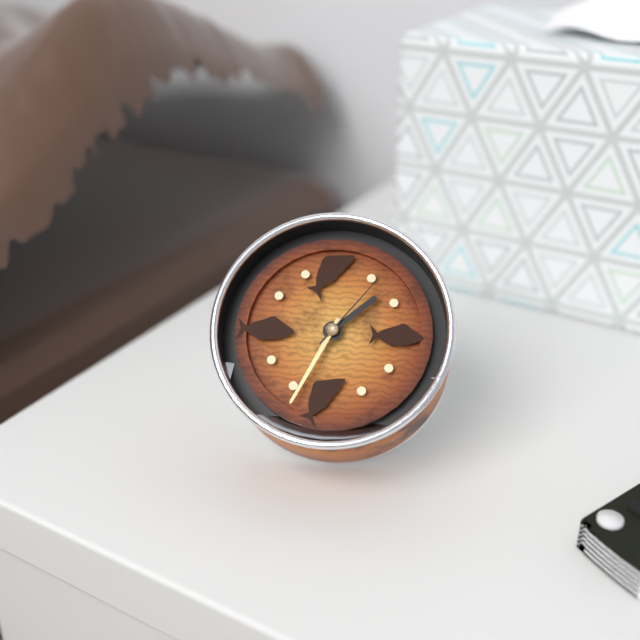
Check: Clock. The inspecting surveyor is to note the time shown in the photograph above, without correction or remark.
1:34:06
